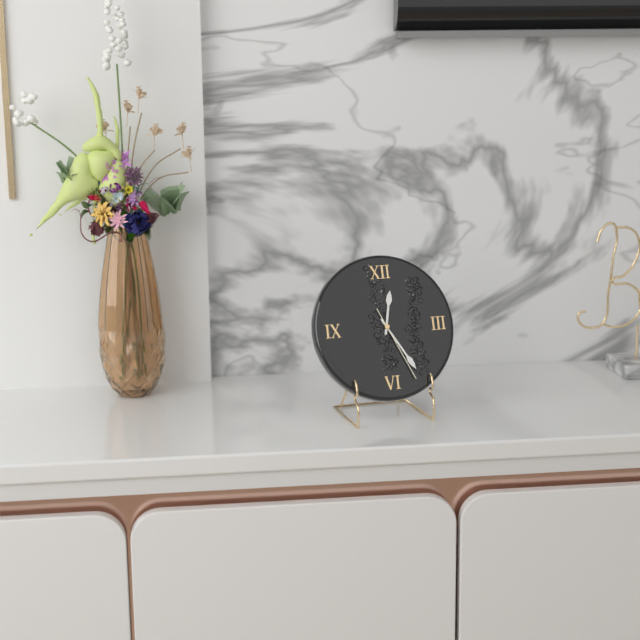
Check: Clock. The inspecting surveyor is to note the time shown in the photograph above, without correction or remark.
12:25:26
